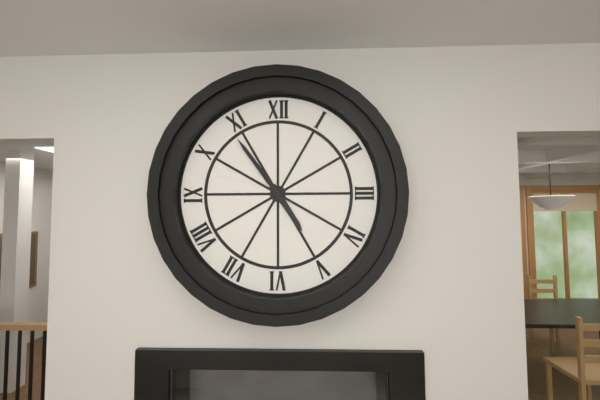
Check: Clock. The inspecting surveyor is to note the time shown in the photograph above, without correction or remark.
4:54
